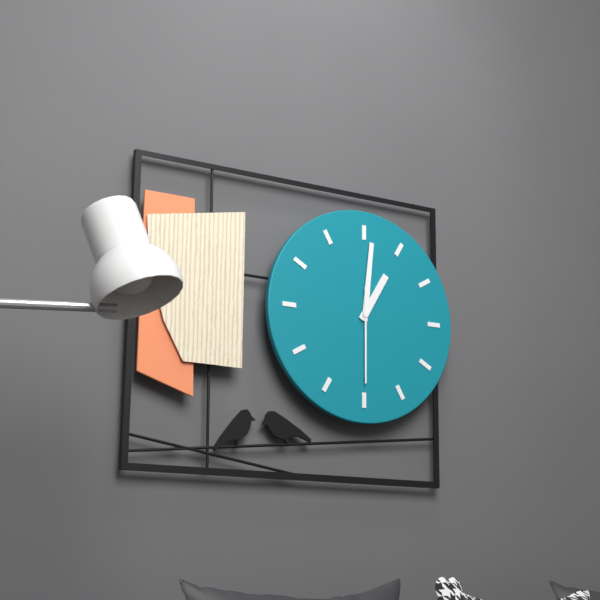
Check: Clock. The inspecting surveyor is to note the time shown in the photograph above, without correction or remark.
1:01:30
